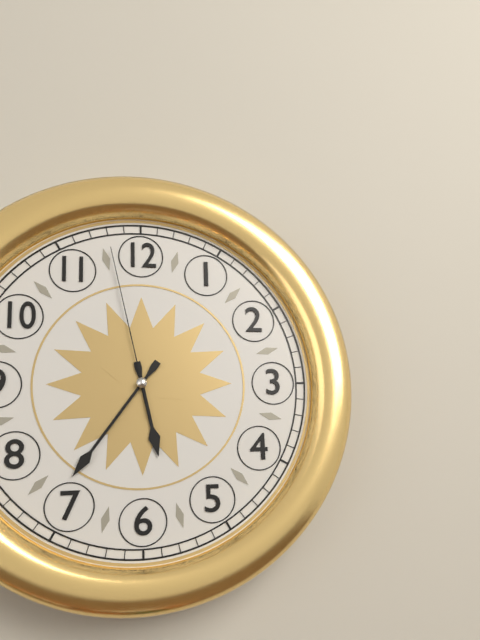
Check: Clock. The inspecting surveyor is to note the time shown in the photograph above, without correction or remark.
5:36:58
